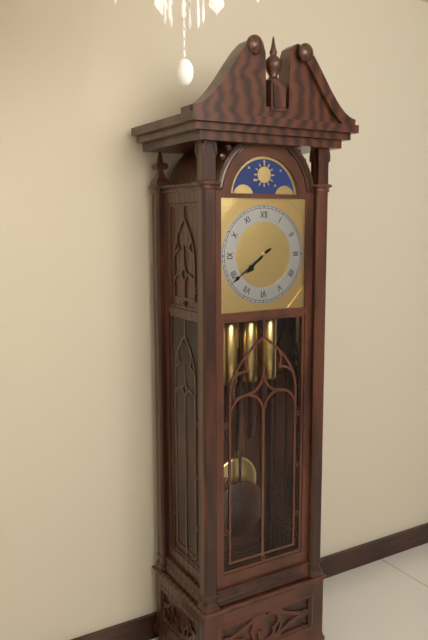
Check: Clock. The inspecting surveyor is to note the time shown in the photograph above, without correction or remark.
7:39
